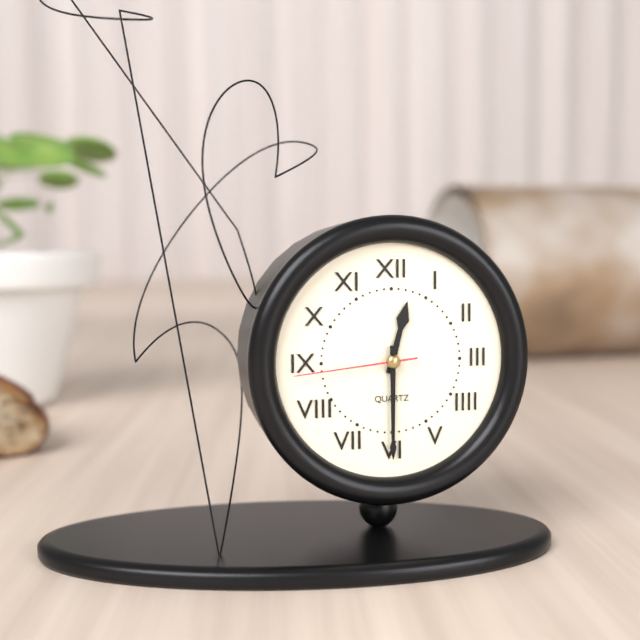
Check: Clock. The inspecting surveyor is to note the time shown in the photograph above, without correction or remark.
12:30:44
